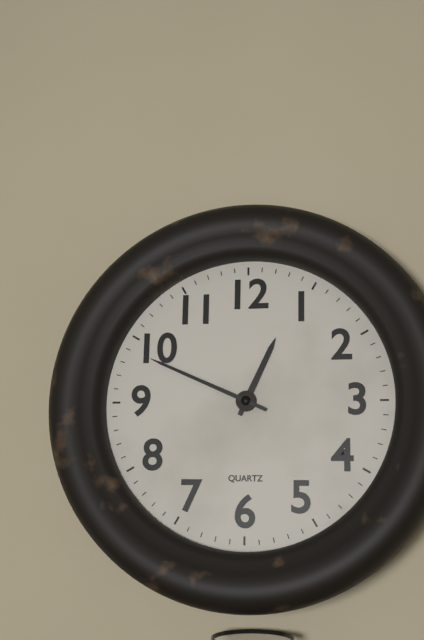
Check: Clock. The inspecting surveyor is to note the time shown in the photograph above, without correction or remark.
12:49
